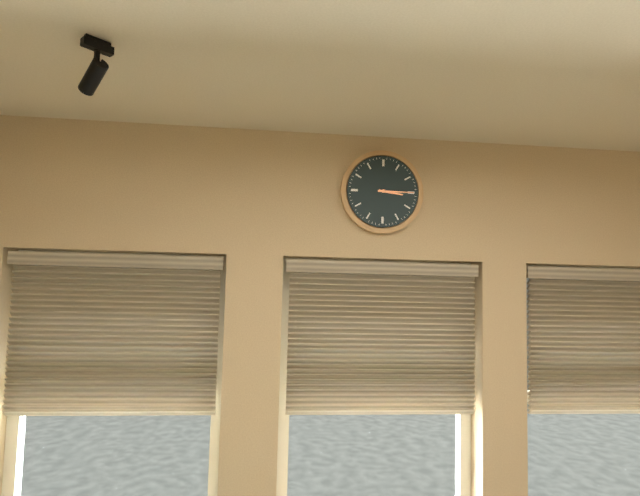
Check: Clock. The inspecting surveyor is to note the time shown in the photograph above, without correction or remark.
3:15
